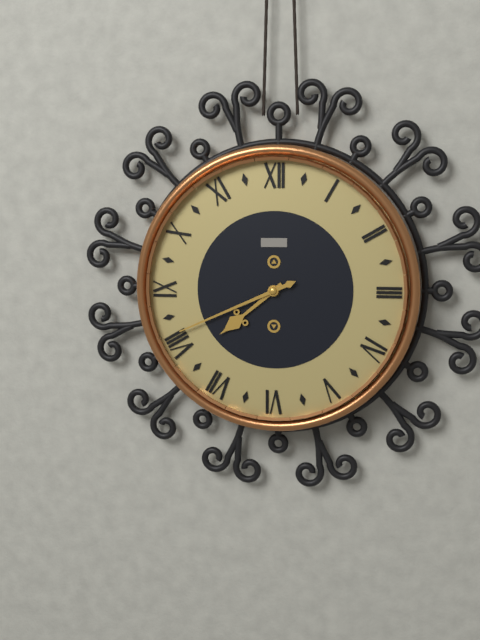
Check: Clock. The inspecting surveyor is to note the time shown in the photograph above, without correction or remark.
7:41
